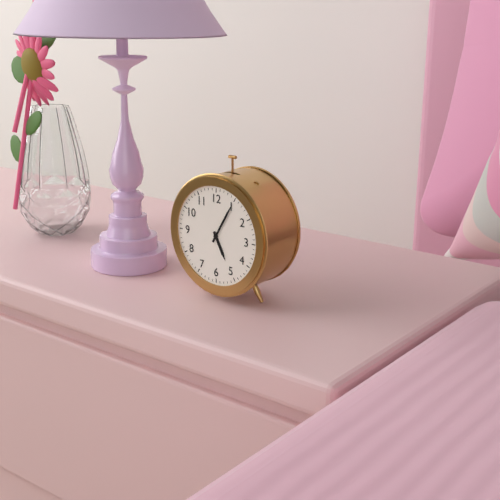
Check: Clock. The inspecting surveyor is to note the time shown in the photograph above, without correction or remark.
5:05
